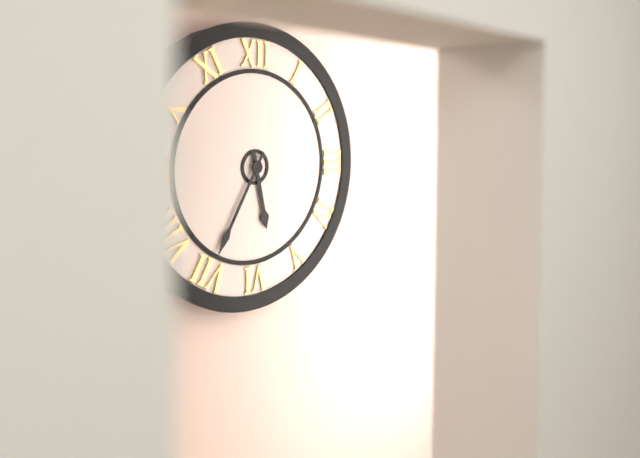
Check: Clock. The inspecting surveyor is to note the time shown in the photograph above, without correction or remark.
5:35
